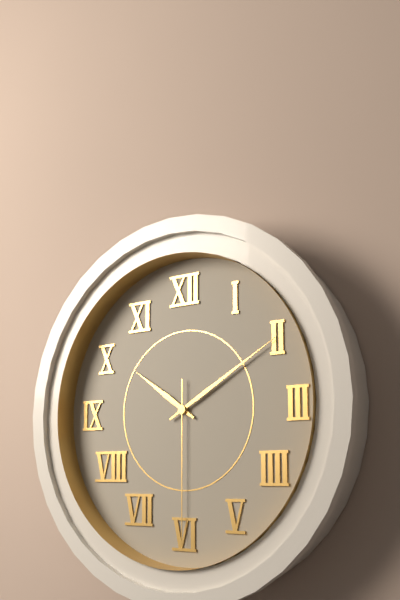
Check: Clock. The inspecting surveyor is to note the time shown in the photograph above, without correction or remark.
10:10:30
